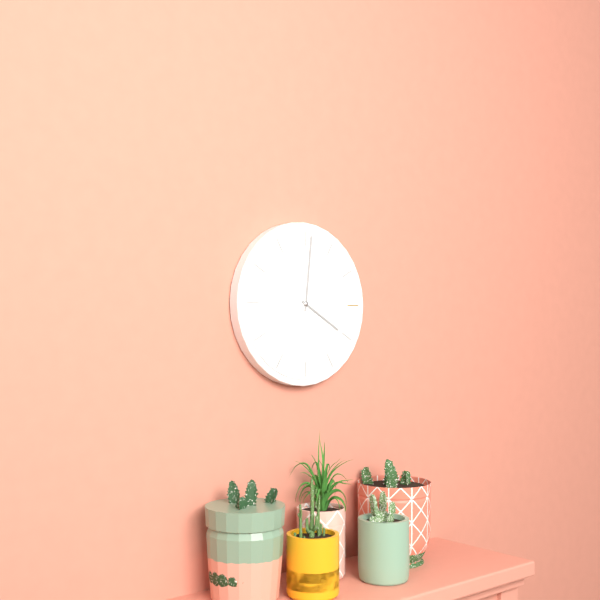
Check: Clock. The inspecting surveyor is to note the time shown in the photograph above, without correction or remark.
4:01
